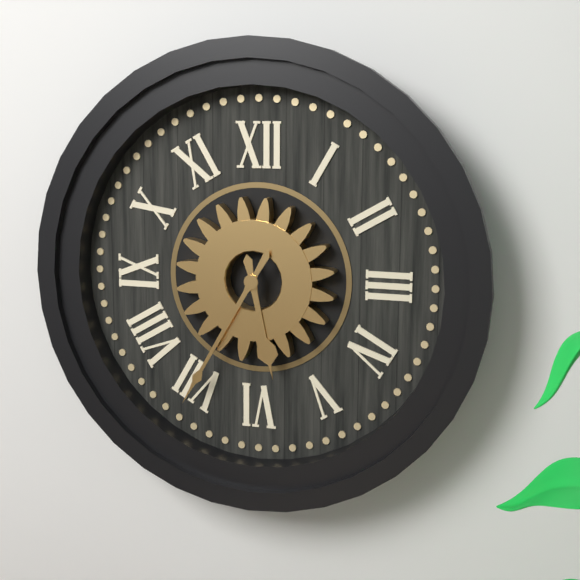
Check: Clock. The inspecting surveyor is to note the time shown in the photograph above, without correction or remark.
5:35
